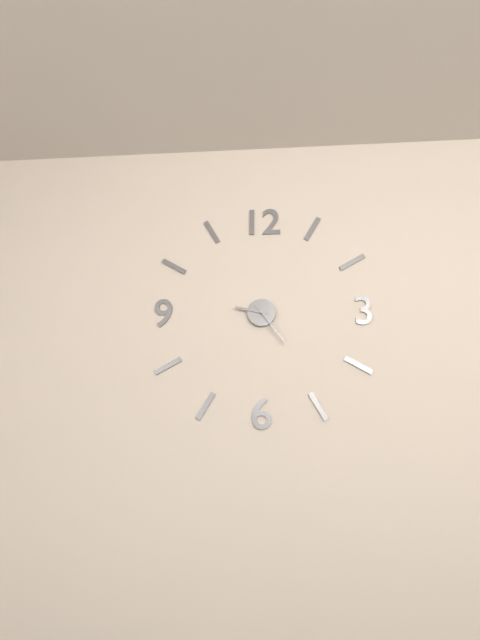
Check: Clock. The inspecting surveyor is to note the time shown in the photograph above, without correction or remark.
9:24
